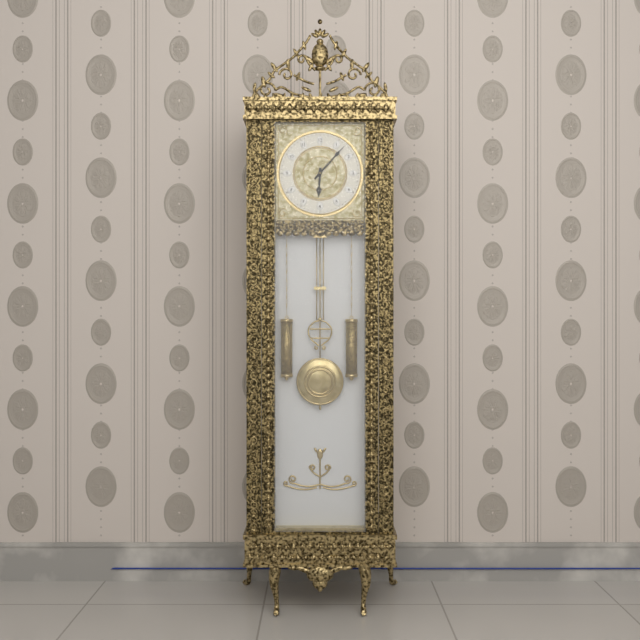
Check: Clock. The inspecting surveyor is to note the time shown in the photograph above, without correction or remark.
6:07
